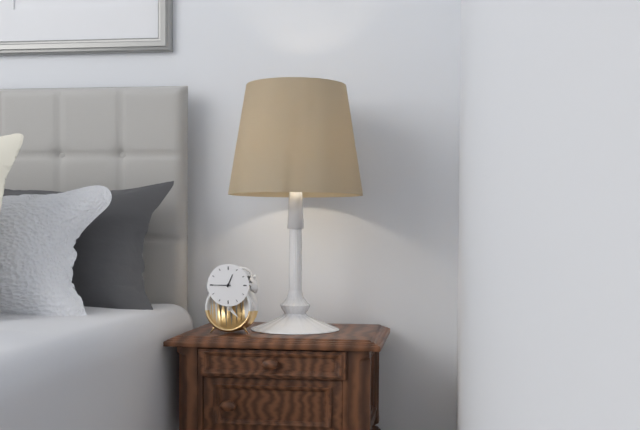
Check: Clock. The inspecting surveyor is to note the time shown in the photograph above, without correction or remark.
12:45
